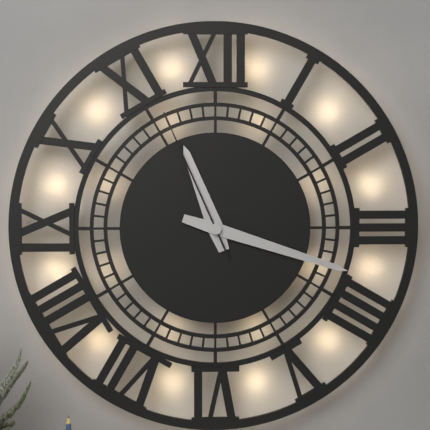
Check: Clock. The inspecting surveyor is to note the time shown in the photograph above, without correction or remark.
11:18:56
